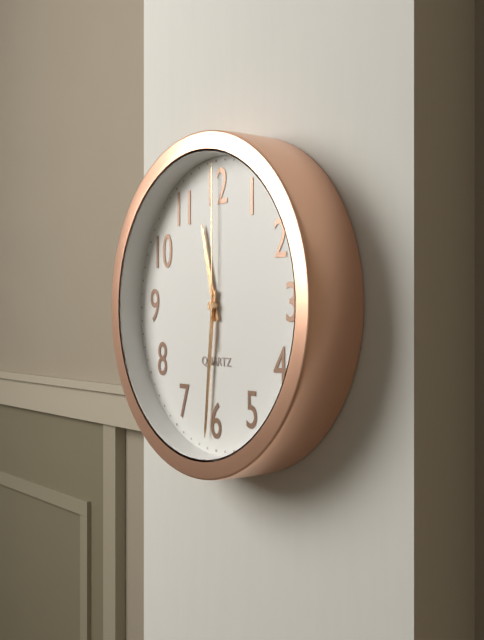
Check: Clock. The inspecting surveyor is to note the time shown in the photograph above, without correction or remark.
11:31:00
